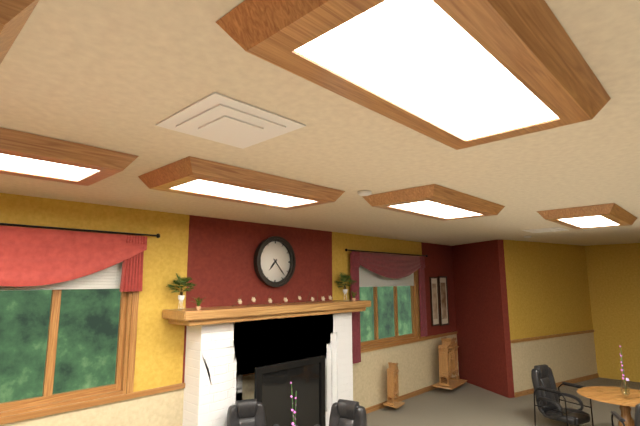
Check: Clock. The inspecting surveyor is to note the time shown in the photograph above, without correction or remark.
7:23
